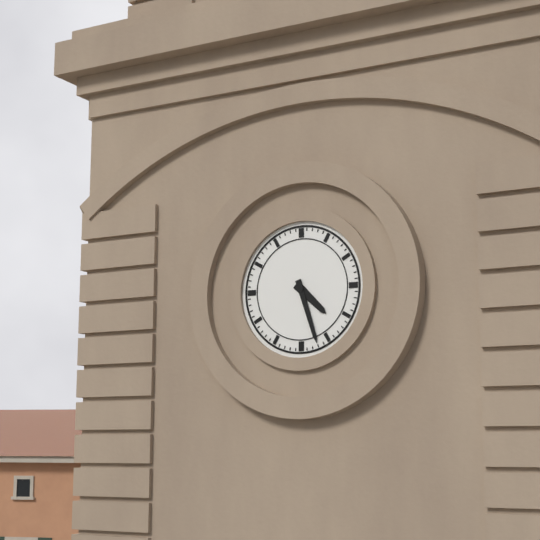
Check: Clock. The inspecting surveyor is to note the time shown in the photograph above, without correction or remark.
4:27
